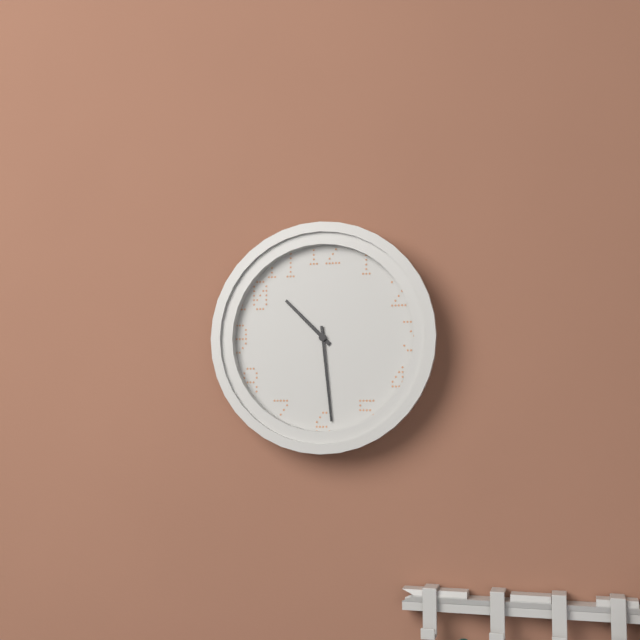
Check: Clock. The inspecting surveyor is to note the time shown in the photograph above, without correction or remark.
10:29
